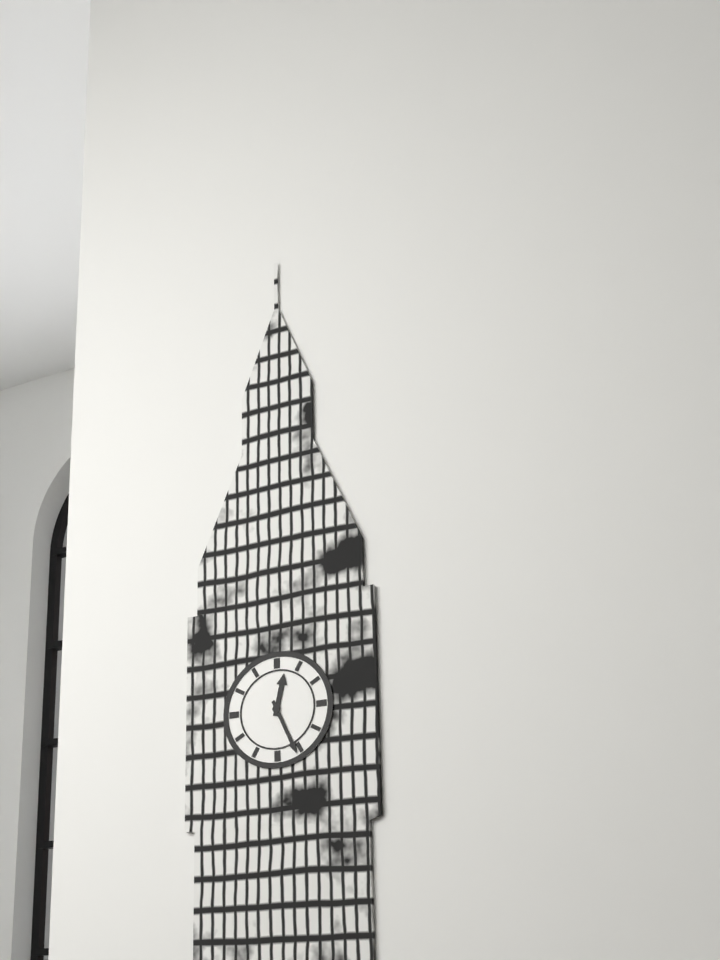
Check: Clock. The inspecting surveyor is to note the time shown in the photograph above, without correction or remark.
12:26
